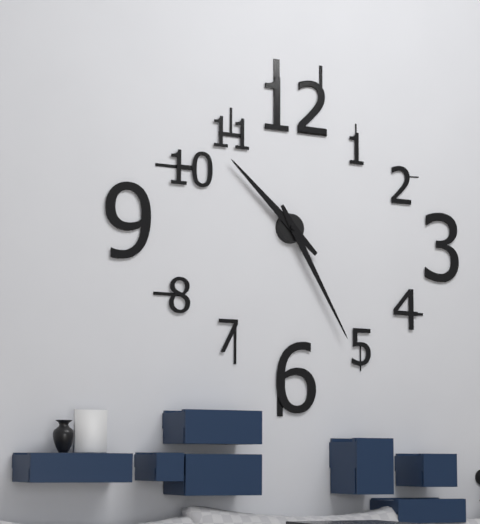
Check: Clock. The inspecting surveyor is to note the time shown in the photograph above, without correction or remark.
10:25
